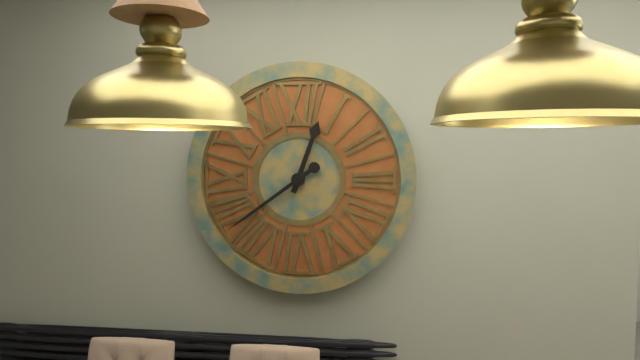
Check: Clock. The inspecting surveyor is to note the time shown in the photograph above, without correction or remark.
12:39
